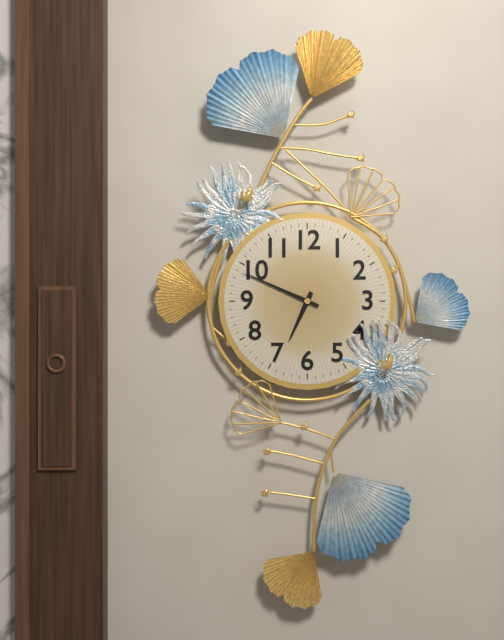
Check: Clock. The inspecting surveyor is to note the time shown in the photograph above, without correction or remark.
6:49
